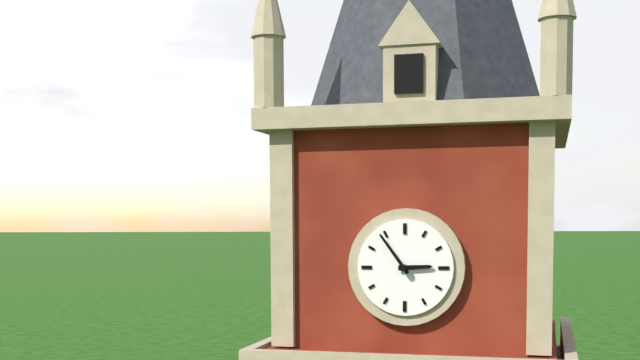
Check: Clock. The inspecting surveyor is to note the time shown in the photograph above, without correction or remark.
2:54
